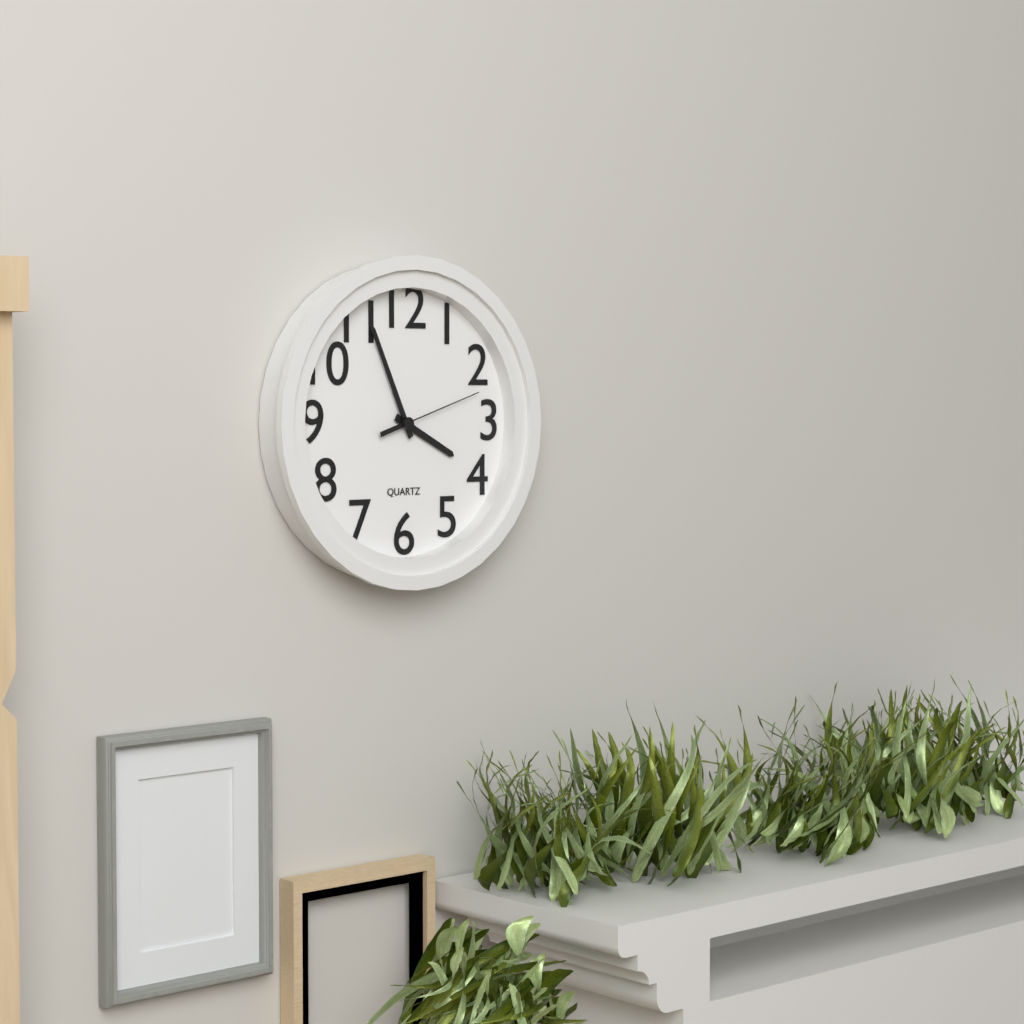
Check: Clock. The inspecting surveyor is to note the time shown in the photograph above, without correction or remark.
3:56:12
